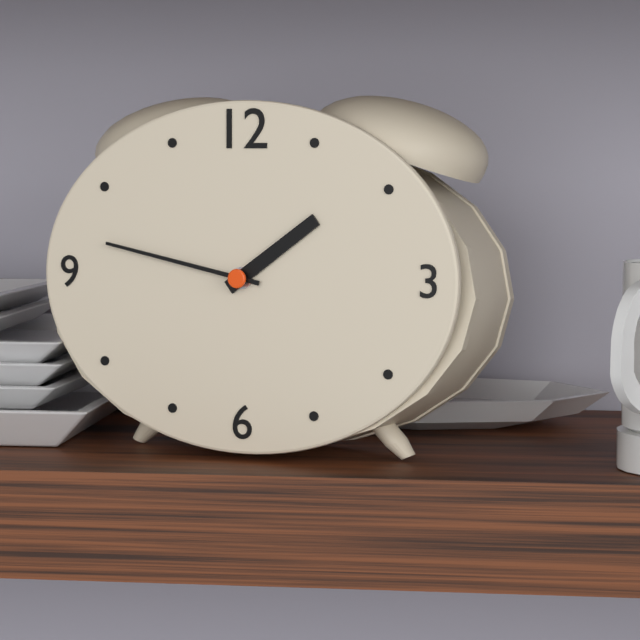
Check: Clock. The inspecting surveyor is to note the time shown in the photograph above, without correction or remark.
1:47
